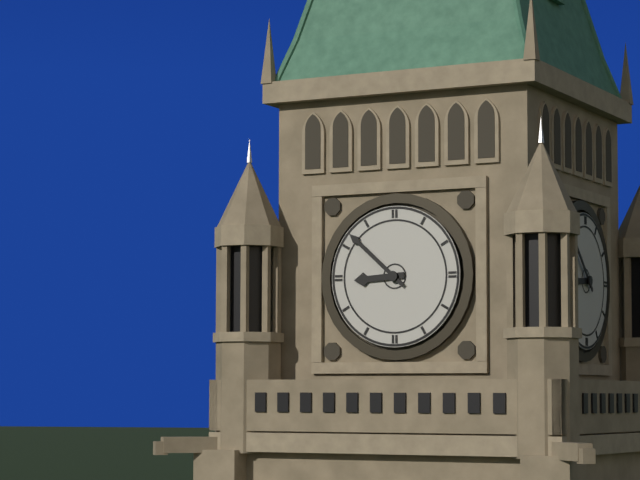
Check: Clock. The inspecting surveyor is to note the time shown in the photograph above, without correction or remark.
8:52
